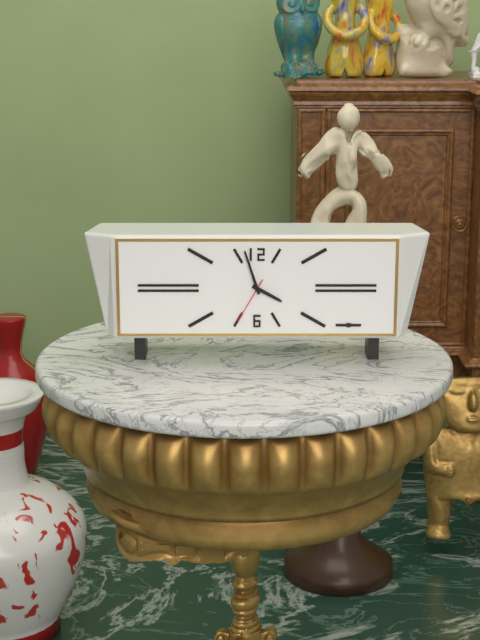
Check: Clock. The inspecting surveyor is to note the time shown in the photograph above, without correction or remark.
3:57
